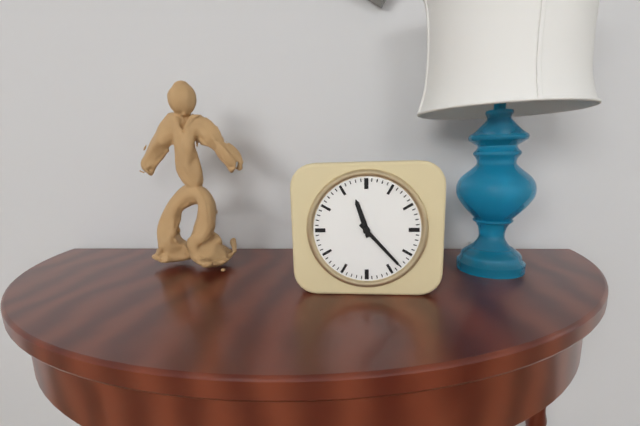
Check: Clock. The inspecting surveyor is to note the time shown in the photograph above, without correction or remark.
11:23
